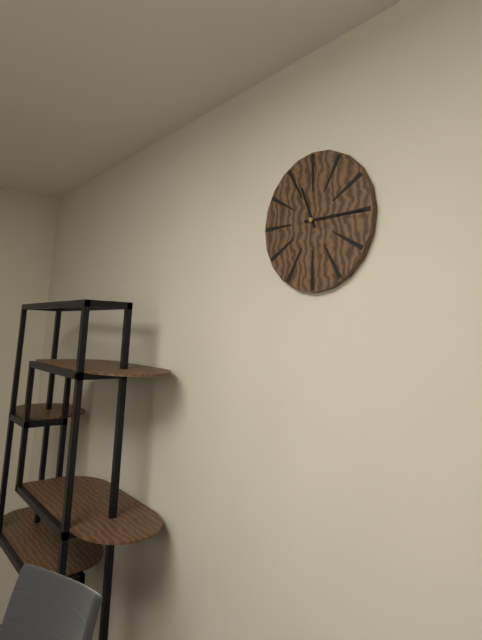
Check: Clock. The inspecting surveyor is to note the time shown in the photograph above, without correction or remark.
11:15
